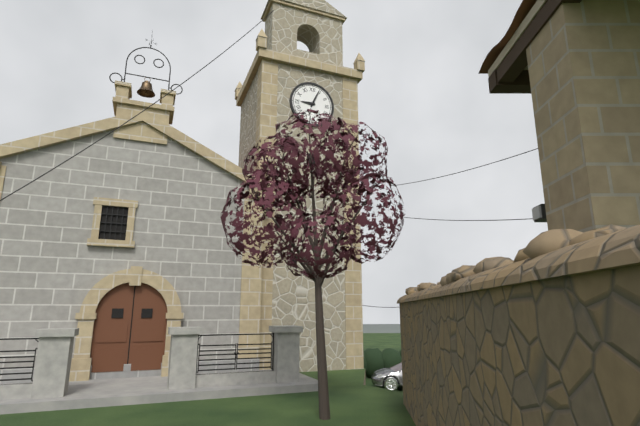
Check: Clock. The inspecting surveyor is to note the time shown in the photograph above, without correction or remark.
9:04
